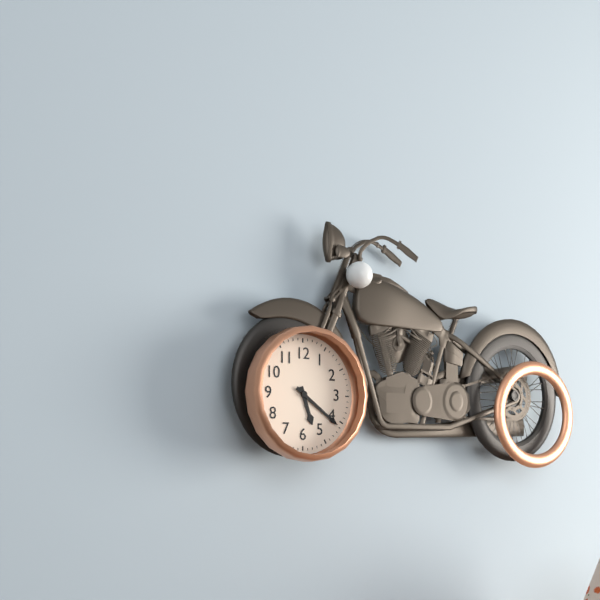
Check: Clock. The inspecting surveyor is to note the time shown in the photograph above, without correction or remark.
5:21
